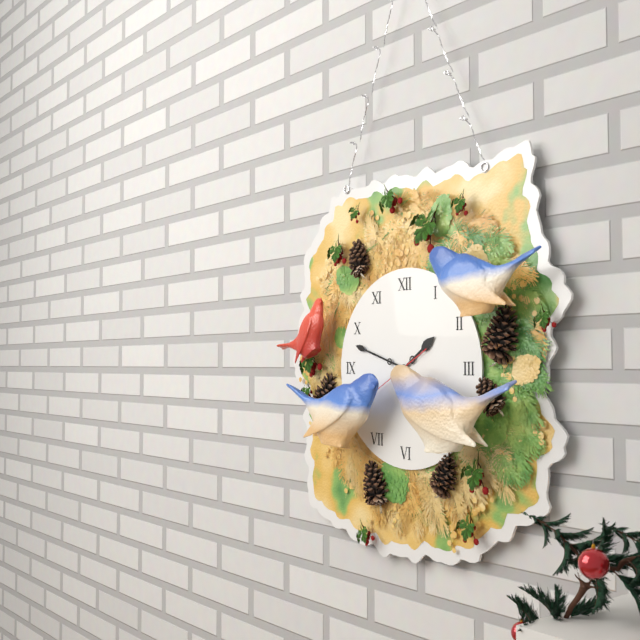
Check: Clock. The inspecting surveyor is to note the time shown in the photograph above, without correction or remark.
1:48
